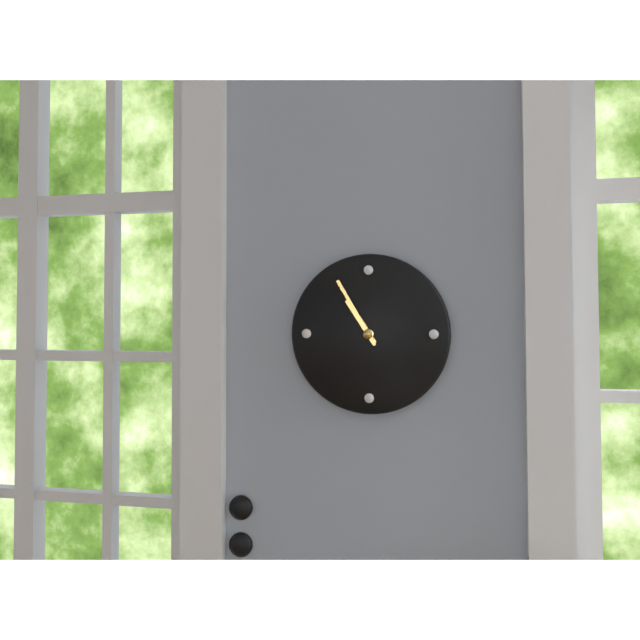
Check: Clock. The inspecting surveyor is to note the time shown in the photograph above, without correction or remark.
10:55
